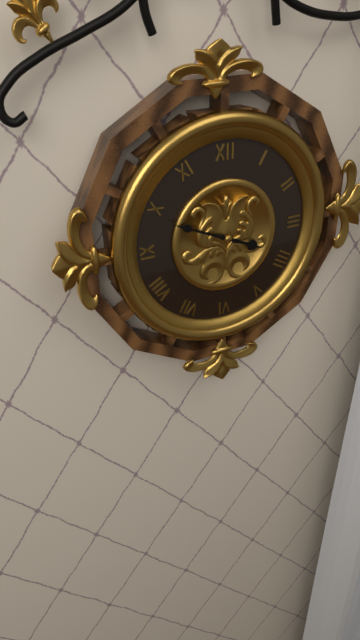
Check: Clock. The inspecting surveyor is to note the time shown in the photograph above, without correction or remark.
3:49
